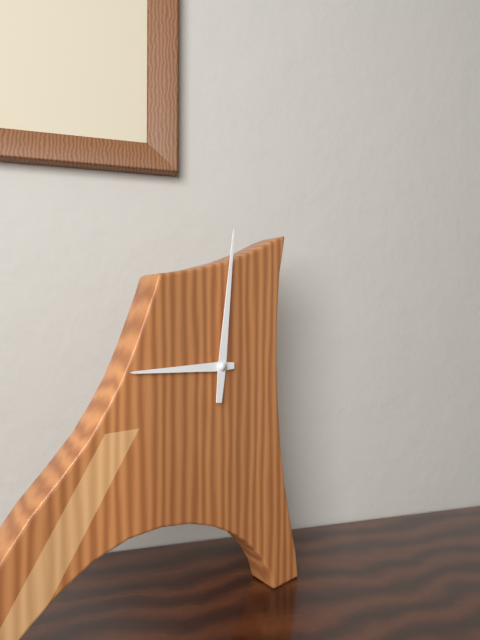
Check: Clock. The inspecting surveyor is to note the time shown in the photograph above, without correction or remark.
9:01
